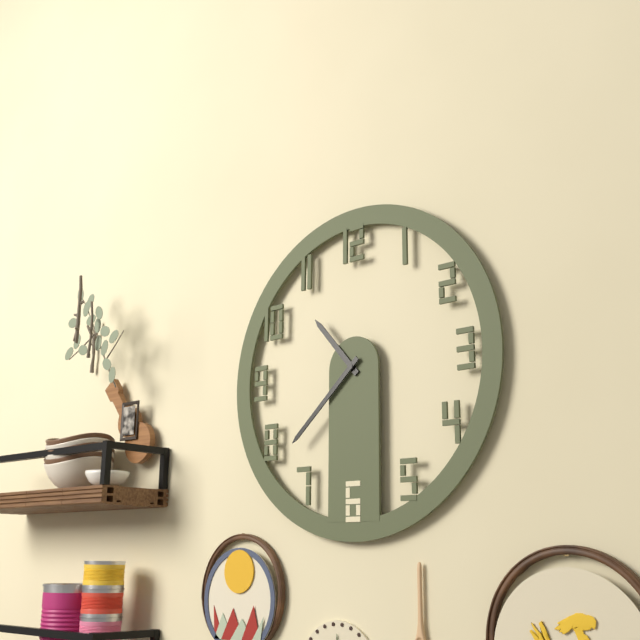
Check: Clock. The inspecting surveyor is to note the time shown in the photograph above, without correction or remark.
10:38
